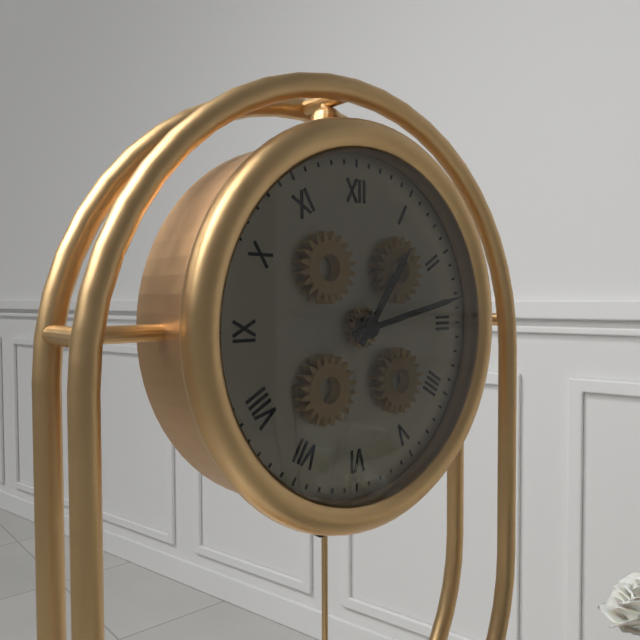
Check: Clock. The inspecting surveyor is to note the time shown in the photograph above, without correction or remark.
1:13
